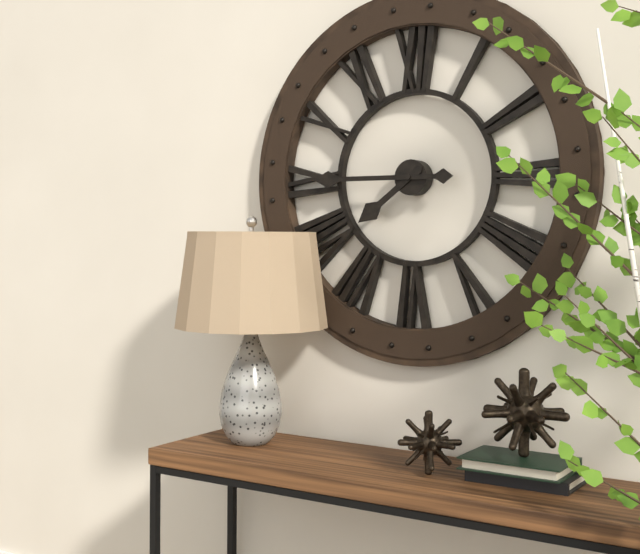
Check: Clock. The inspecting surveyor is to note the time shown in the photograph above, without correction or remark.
7:45
